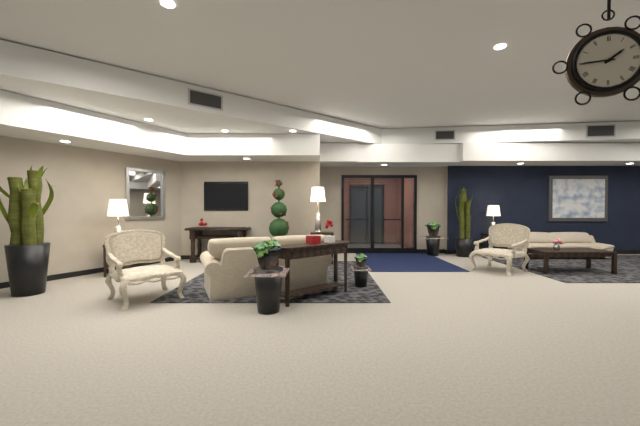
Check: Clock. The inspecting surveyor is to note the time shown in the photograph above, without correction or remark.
1:45
